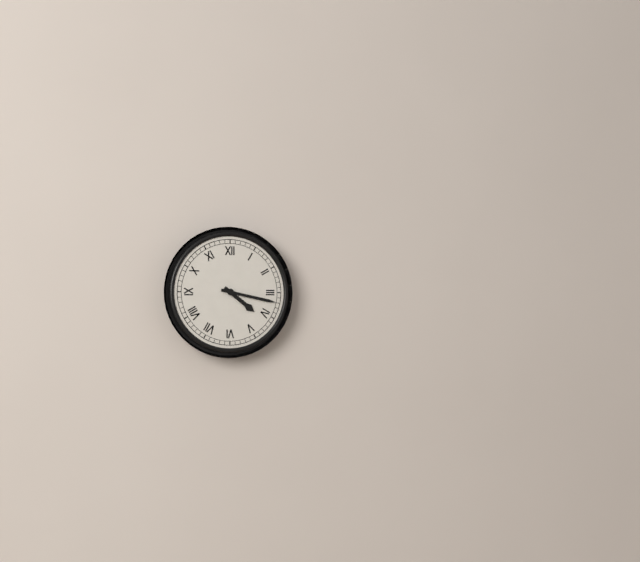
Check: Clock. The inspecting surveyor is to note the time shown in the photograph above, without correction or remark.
4:17
